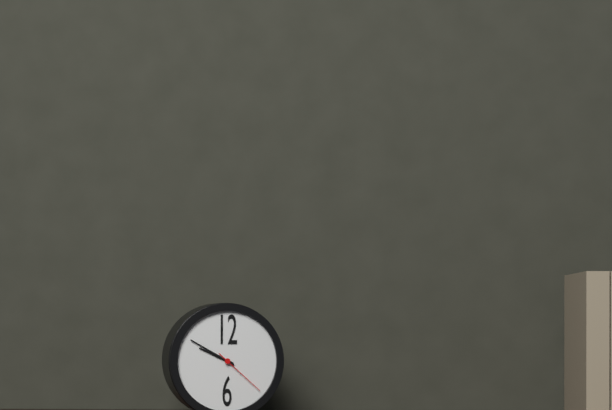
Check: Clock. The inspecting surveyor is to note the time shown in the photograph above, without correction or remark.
9:50:22
